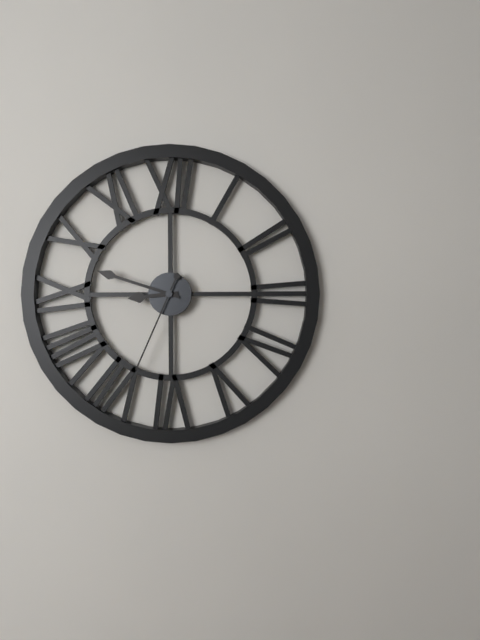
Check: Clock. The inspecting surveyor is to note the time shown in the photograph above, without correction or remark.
8:48:34
